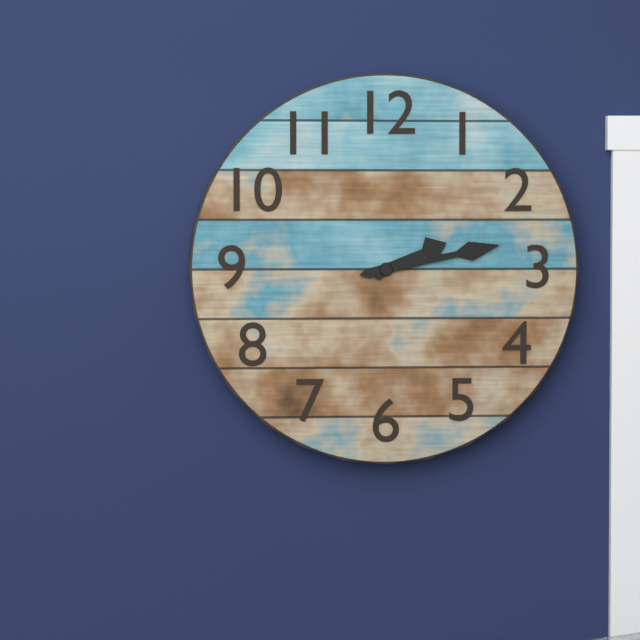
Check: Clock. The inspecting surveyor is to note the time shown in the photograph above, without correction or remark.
2:13
